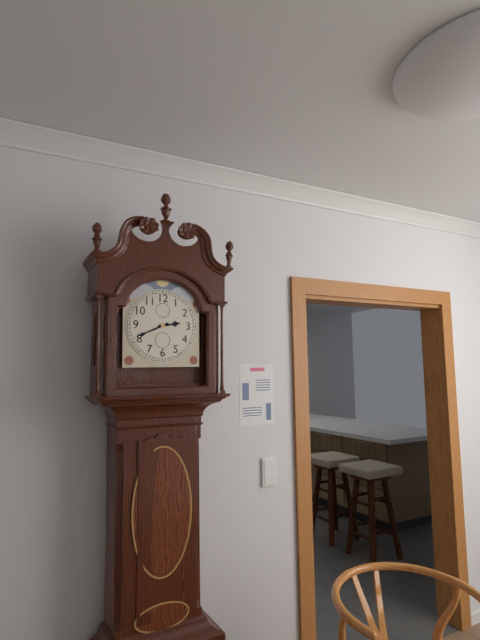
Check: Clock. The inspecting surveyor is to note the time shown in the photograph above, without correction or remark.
2:41
